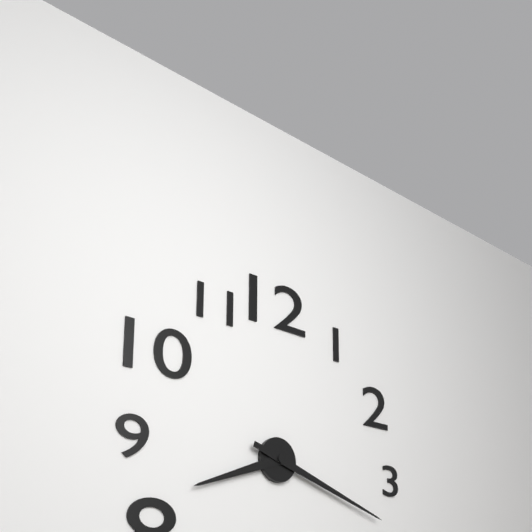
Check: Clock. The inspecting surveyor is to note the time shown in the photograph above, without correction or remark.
8:18
